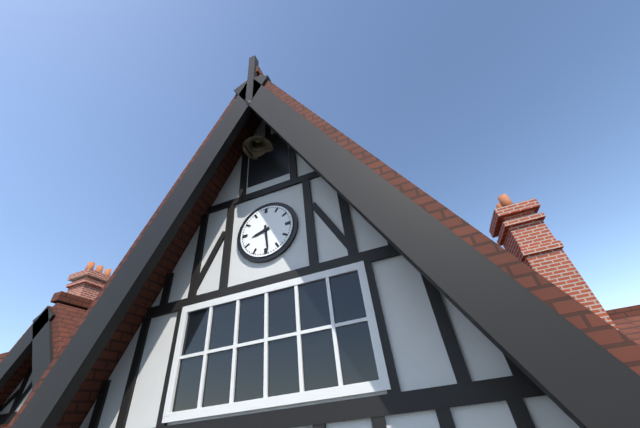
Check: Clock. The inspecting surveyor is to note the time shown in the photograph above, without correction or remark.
8:29
